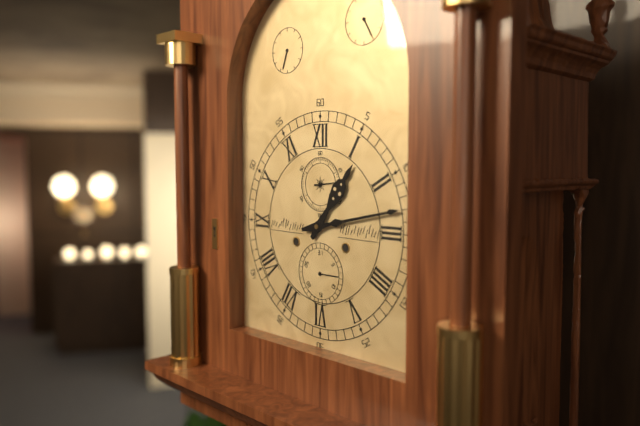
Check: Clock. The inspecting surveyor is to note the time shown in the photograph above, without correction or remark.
1:13
